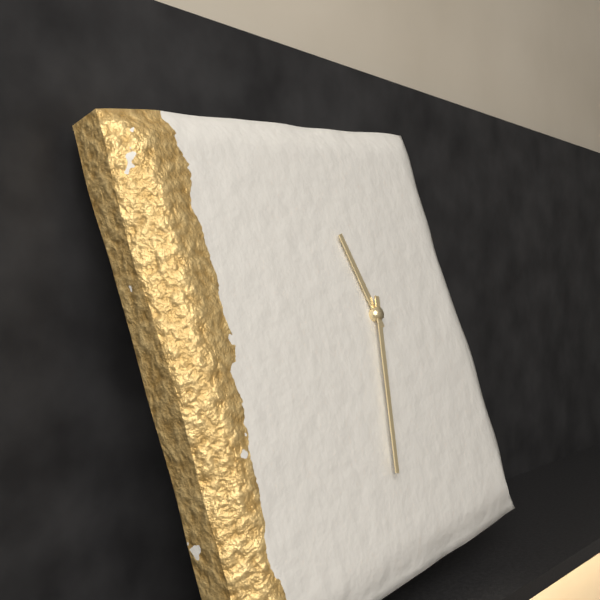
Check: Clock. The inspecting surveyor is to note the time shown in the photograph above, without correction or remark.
11:33
